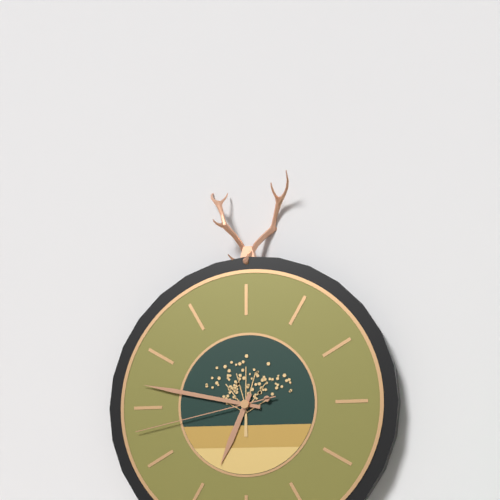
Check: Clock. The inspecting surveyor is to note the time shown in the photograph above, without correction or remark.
6:47:43
